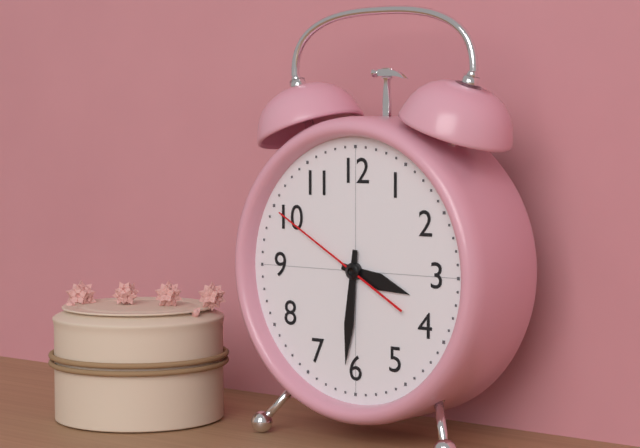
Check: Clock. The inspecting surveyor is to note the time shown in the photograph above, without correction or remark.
3:31:50
